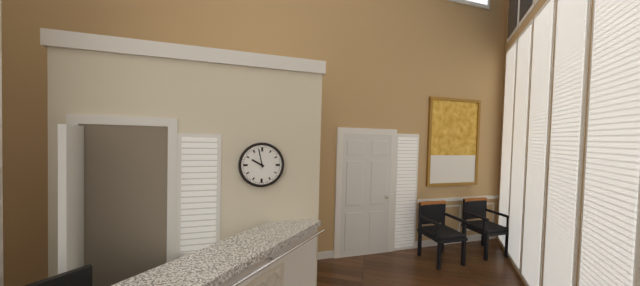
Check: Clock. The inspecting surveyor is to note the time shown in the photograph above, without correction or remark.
9:58
